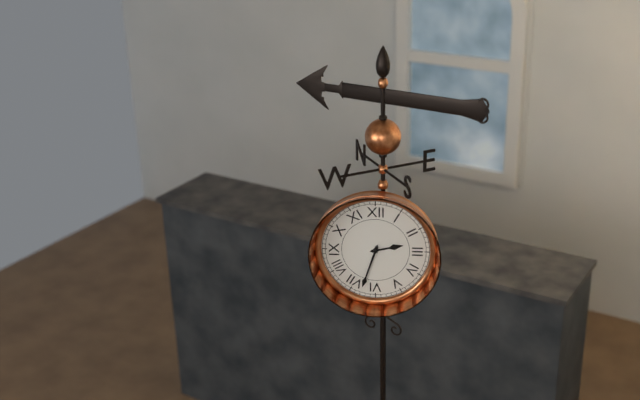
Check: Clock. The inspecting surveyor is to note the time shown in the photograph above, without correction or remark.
2:33
